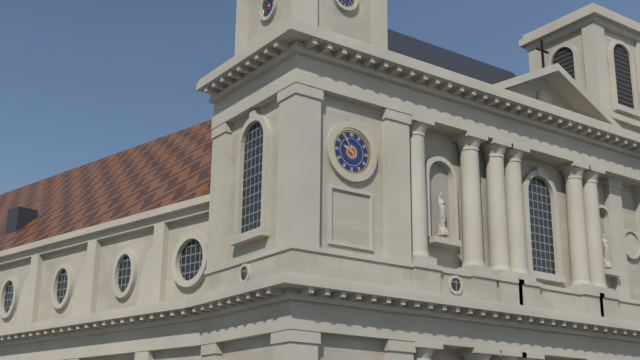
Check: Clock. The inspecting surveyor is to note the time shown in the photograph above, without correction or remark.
9:55
